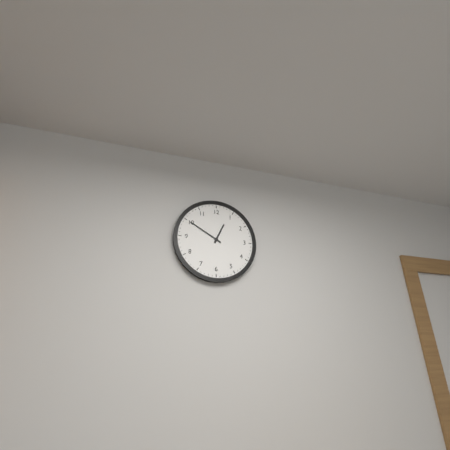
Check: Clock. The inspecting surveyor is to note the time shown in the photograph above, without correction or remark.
12:50
